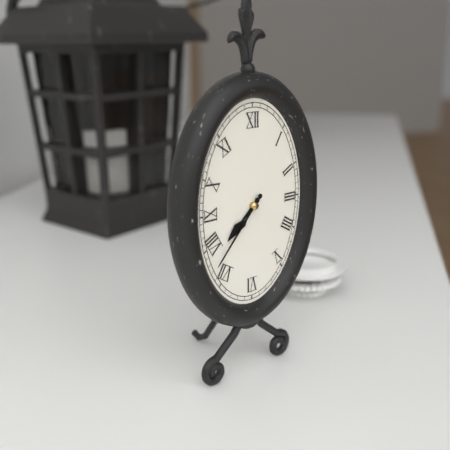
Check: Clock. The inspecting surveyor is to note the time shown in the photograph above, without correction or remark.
7:37
